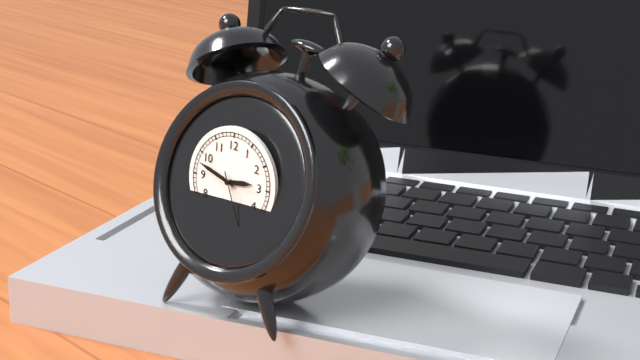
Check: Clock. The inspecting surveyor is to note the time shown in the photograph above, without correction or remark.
2:48:26
